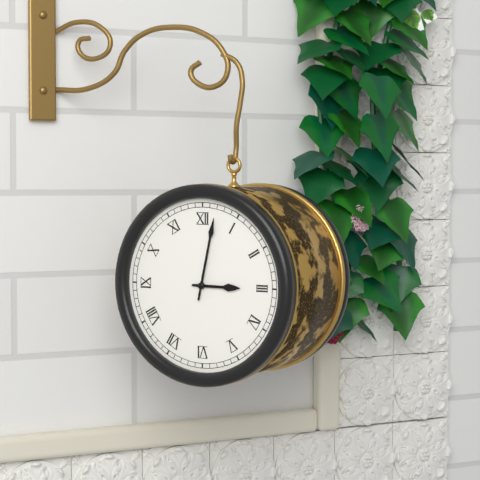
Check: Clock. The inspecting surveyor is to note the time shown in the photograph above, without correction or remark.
3:02
